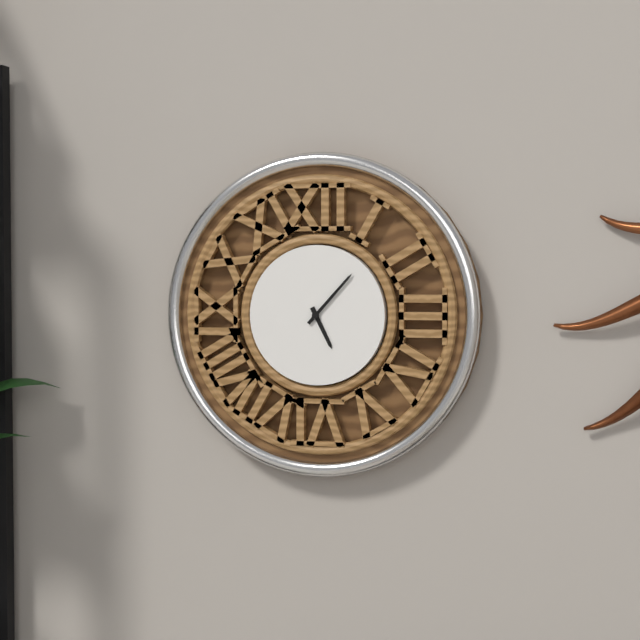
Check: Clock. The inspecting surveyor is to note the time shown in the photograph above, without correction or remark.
5:07
